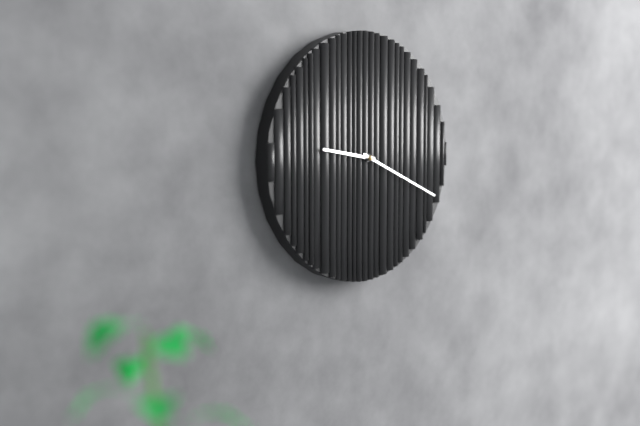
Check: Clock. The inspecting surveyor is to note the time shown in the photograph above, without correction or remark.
9:19
